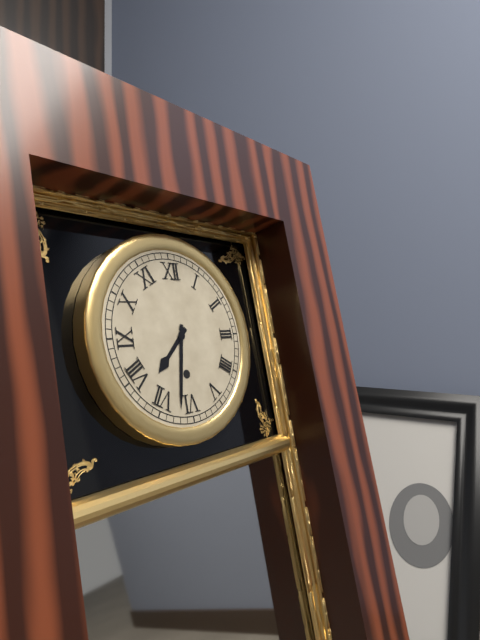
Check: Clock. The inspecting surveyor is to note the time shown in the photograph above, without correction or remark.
7:32
